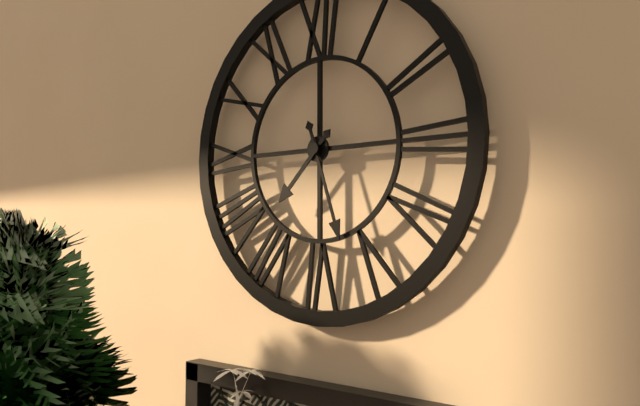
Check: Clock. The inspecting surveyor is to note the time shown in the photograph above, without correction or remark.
7:27
